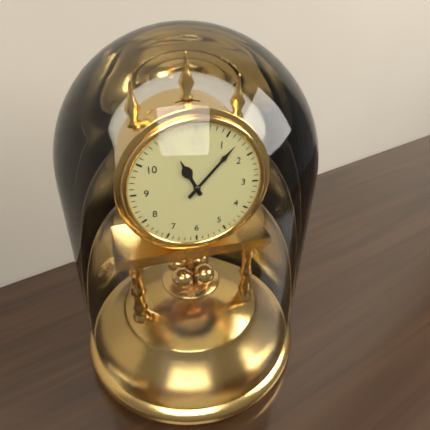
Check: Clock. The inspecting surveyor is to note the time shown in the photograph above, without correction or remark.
11:07
